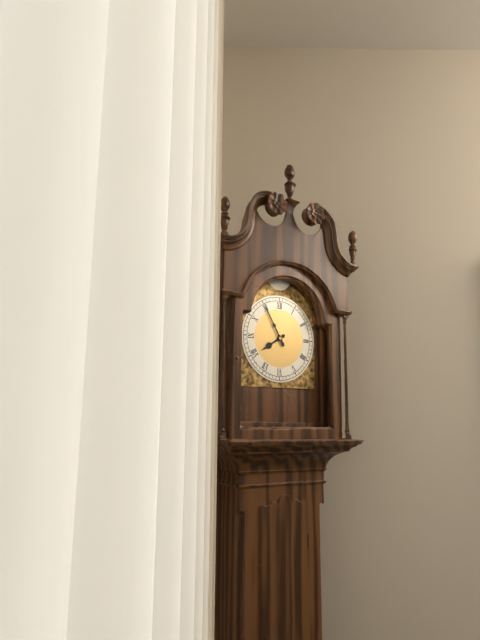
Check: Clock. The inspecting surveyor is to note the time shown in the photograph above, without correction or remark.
7:55
